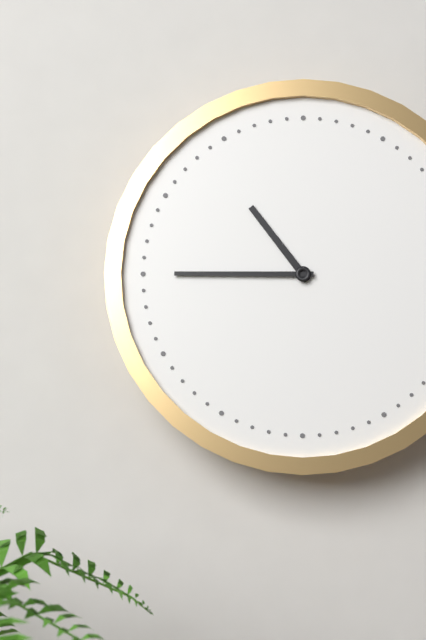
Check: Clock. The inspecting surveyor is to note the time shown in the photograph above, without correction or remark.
10:45
